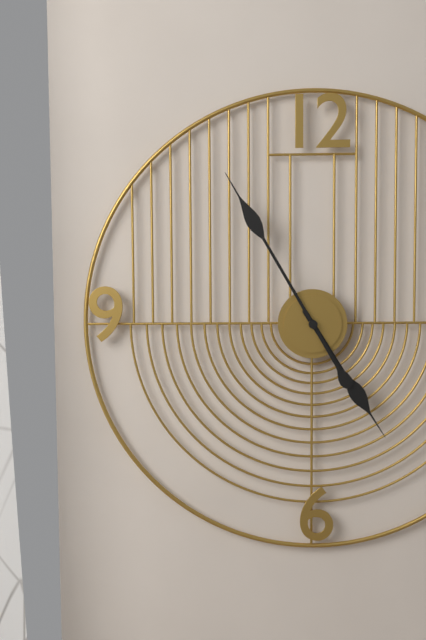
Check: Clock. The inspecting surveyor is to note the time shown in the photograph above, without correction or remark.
4:55
